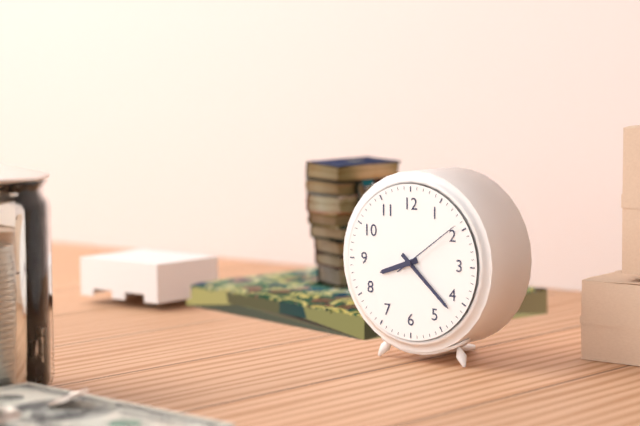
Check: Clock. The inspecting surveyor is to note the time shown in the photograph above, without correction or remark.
8:22:09
